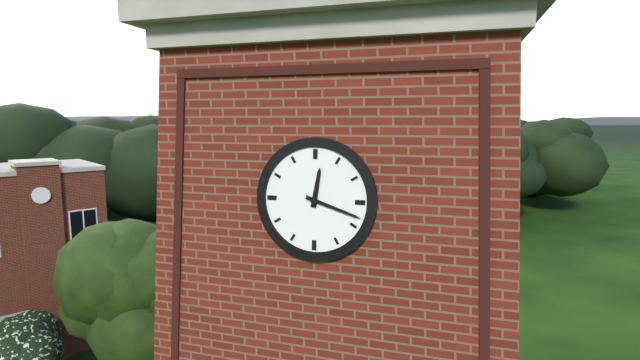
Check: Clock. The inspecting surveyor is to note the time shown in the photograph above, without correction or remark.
12:18
